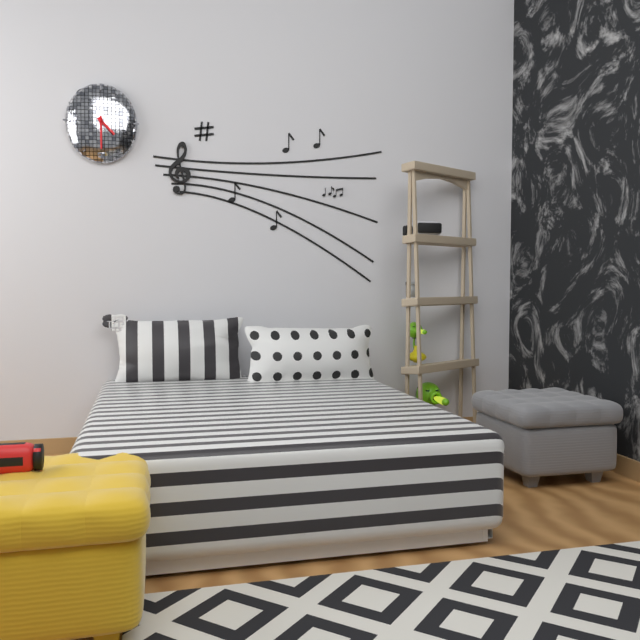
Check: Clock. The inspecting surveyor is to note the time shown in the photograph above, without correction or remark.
4:30
